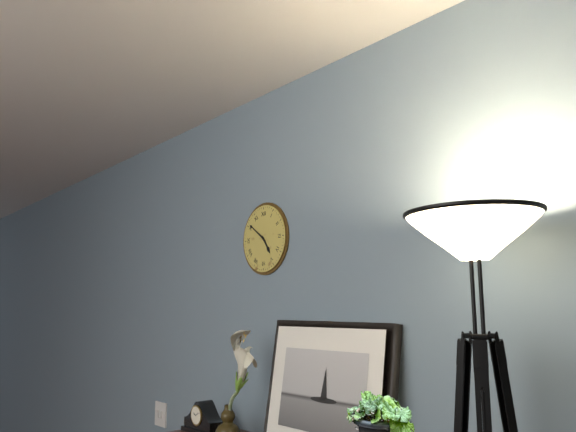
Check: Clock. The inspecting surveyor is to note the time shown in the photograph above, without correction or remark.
4:51
